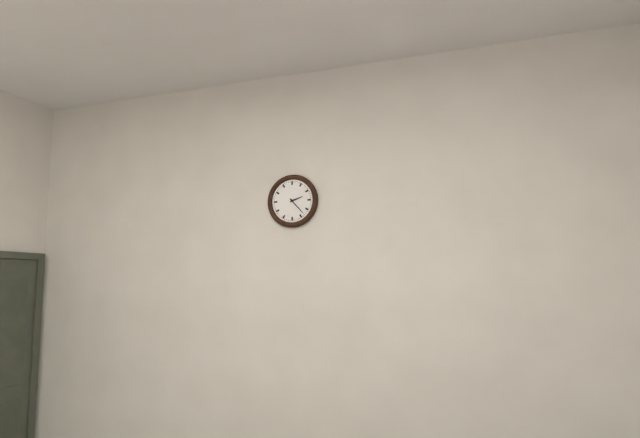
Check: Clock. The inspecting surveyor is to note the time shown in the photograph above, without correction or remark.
2:23
